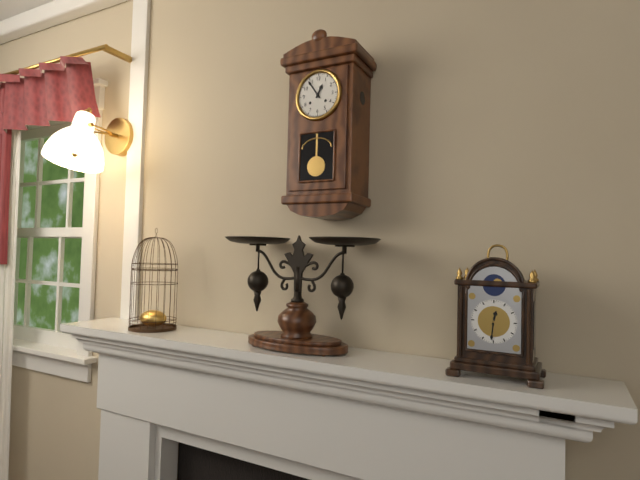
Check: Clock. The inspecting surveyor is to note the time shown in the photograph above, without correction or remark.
12:54
